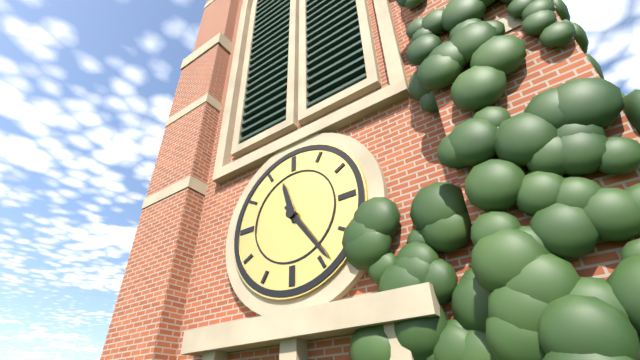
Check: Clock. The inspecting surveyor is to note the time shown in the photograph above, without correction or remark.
11:24
